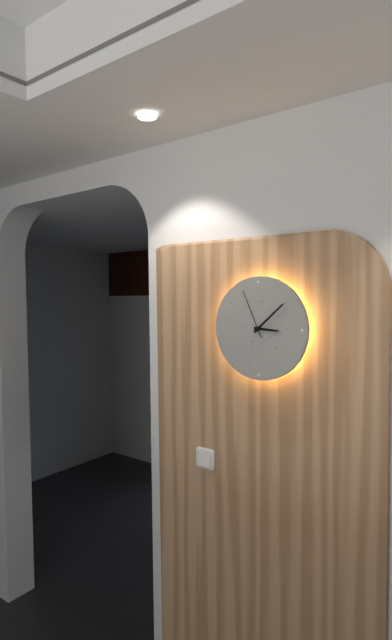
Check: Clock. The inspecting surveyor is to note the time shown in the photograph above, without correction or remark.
3:08:56
